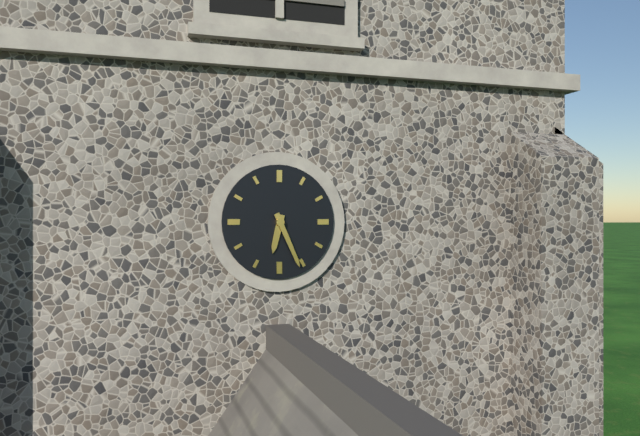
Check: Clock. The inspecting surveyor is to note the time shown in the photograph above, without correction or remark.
6:26
